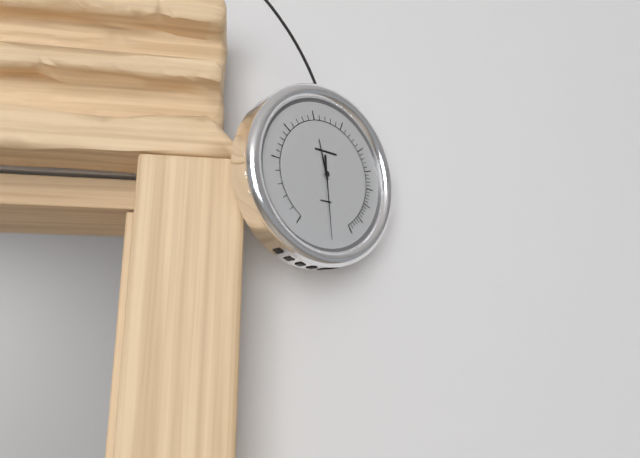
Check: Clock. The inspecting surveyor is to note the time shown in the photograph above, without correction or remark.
11:29
